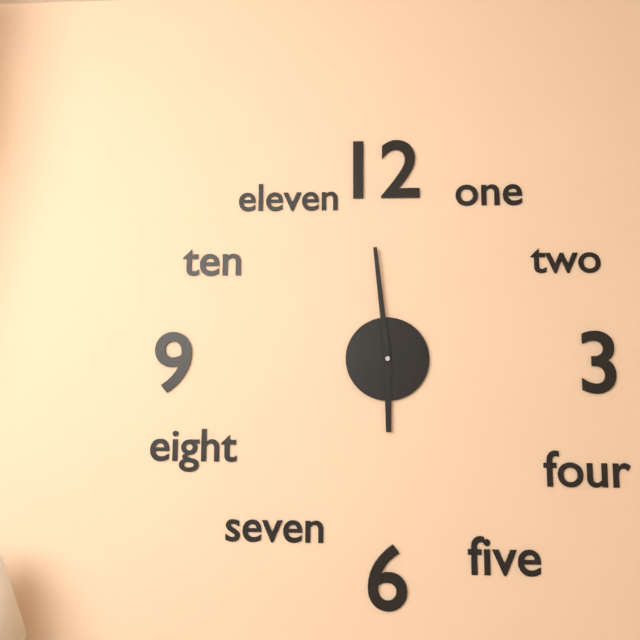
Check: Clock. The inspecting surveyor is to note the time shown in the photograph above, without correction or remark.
5:59
